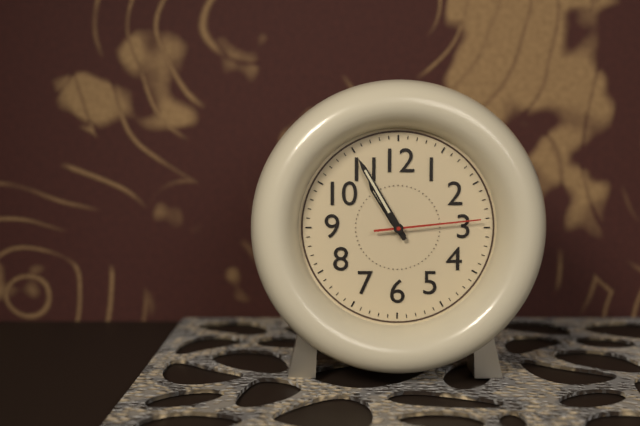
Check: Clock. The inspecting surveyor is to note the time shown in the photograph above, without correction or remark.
10:55:14
